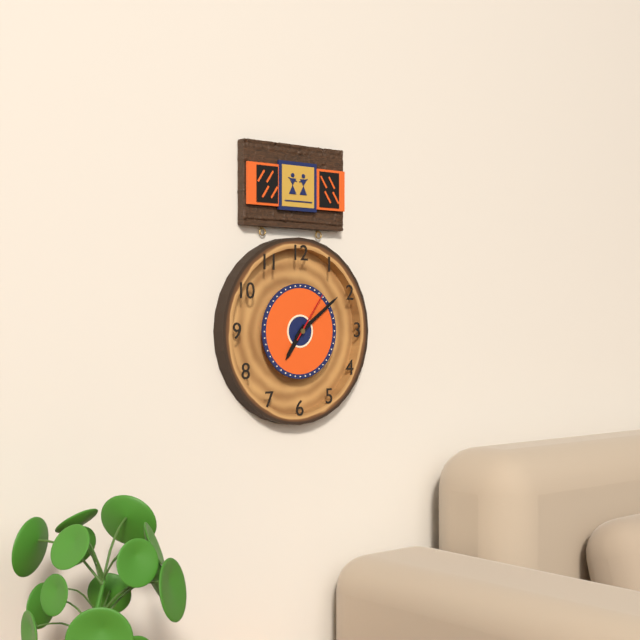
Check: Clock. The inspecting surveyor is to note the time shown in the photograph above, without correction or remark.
7:09:06
